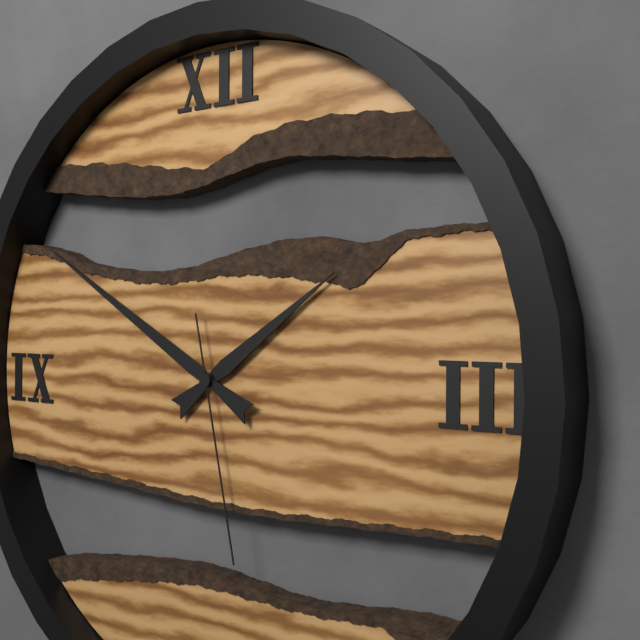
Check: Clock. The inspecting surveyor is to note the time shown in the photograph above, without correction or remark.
1:50:28
